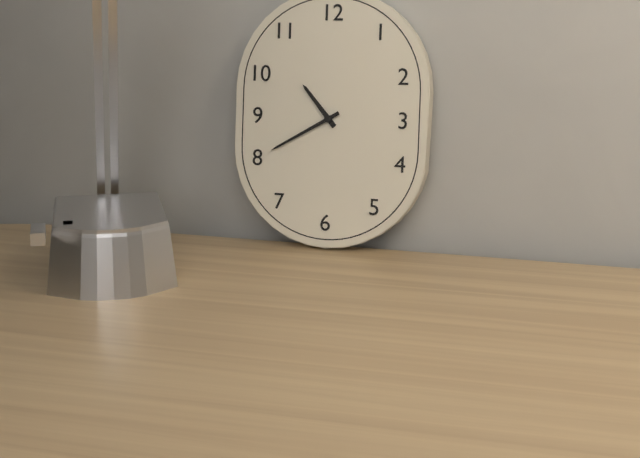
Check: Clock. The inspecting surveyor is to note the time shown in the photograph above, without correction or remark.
10:40
